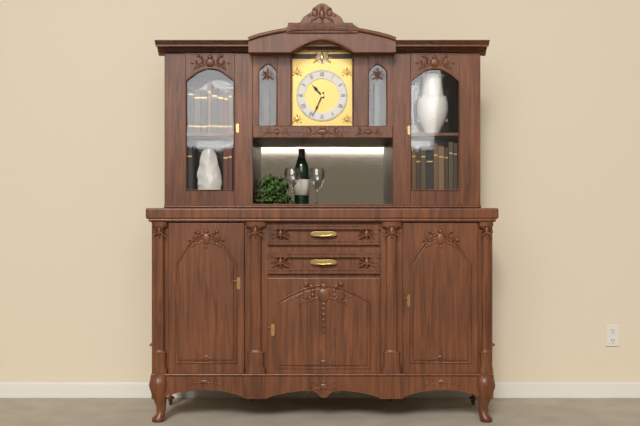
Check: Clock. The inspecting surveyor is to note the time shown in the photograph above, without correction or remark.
10:34
